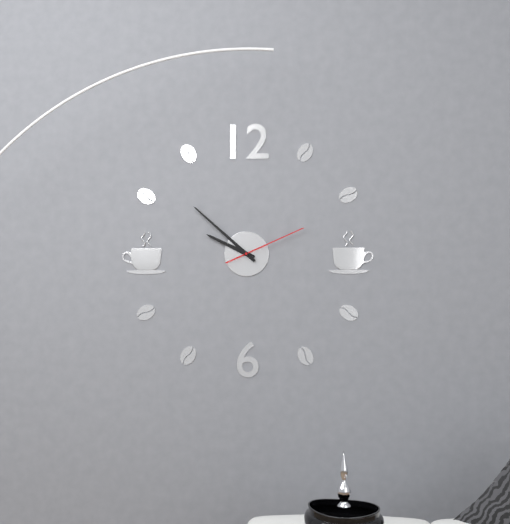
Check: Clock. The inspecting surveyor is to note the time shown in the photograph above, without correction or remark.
9:52:11
